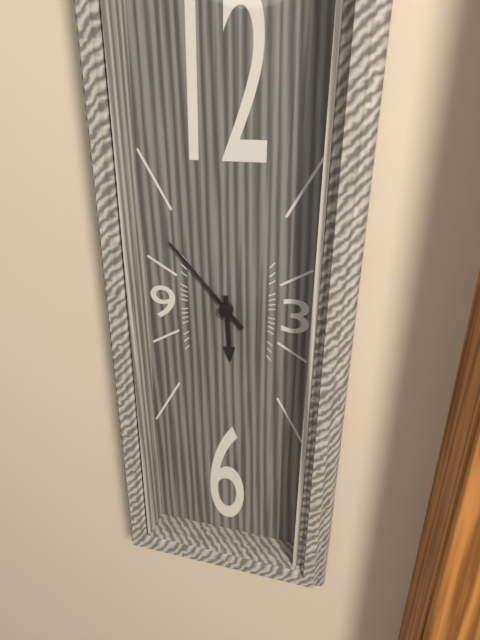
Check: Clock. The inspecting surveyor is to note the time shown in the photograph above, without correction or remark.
5:53
